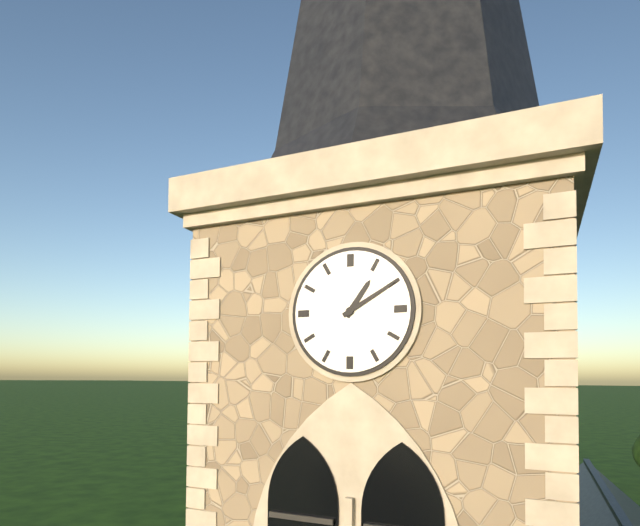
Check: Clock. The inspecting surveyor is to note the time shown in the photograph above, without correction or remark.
1:10
